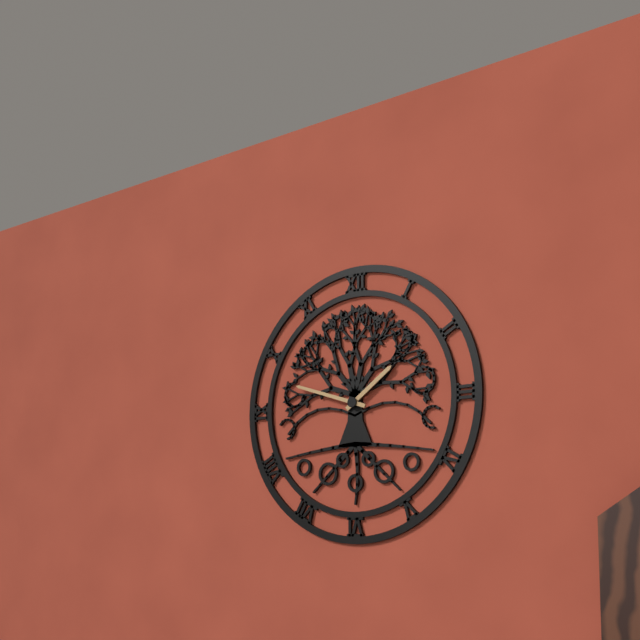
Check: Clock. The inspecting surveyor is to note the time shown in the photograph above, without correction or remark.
1:48
